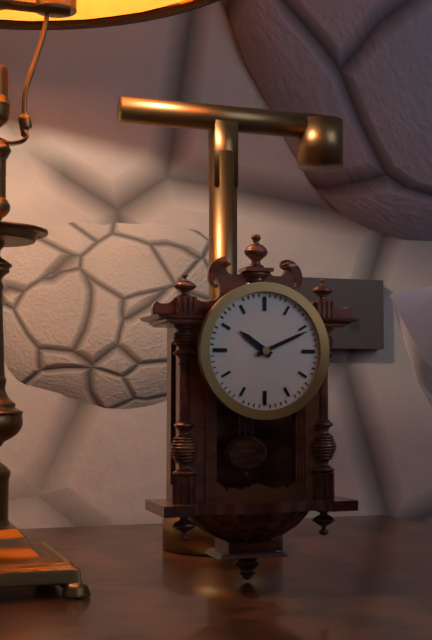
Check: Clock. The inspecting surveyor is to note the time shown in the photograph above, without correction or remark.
10:11
